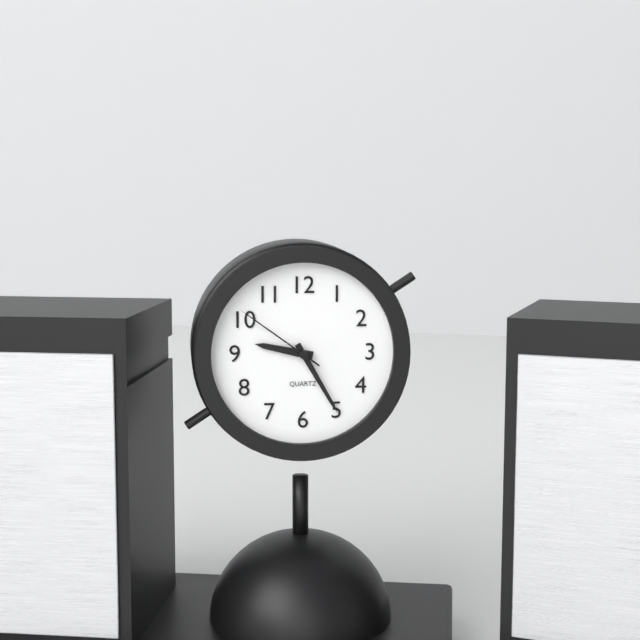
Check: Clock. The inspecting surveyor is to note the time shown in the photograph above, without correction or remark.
9:25:51
